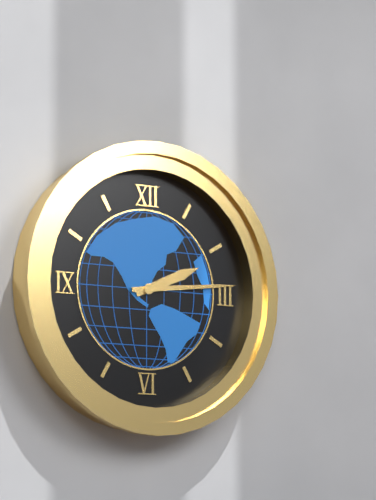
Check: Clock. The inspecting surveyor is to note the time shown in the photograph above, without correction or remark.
2:14
